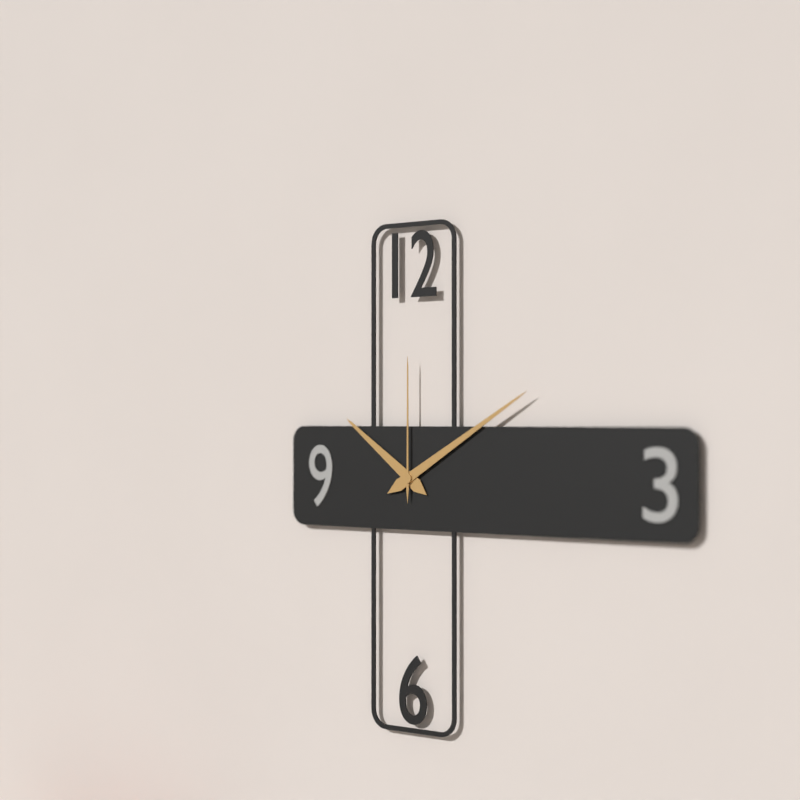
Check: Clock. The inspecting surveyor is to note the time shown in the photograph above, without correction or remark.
10:10:00
